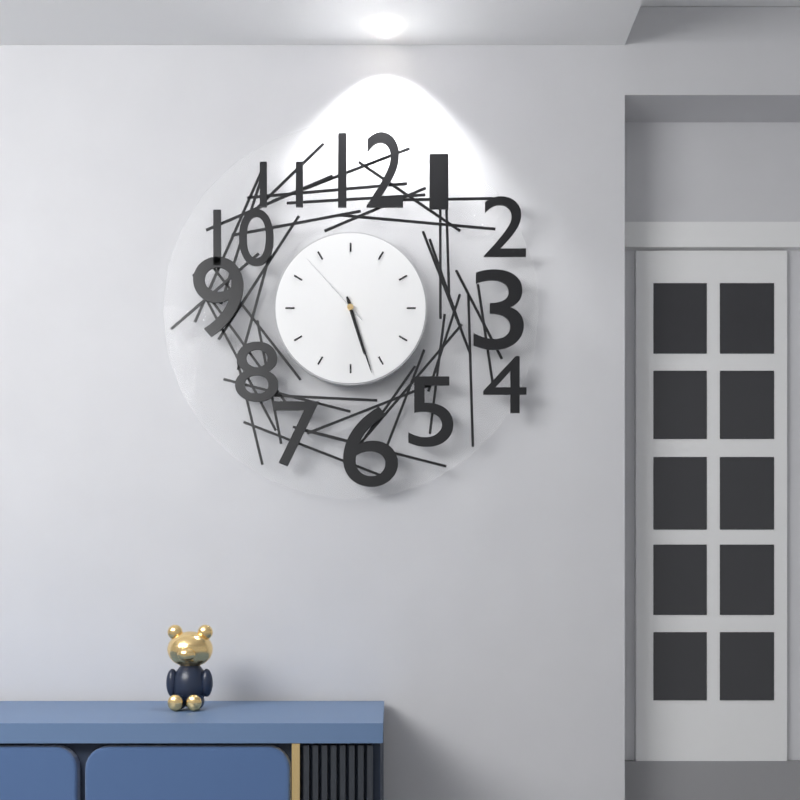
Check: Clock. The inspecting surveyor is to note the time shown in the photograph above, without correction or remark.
5:27:53
